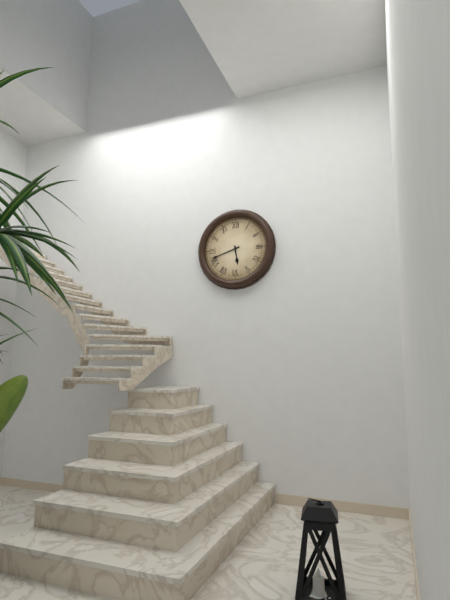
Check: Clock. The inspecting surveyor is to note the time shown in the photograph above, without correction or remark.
5:42
